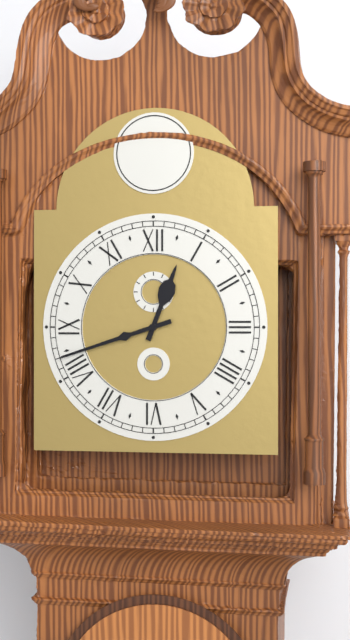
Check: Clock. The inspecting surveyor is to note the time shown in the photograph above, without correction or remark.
12:42
